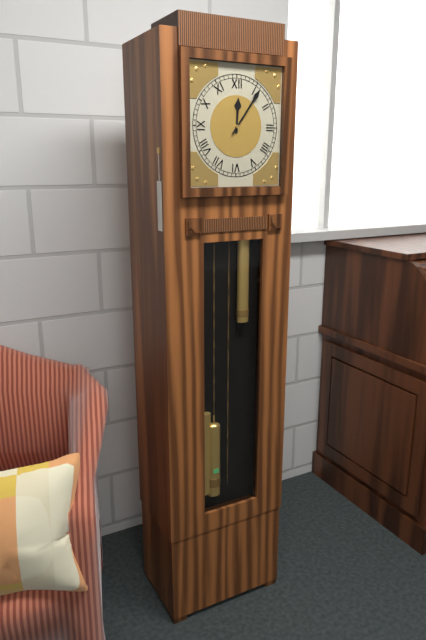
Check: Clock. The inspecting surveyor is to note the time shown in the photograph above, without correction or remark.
12:06
